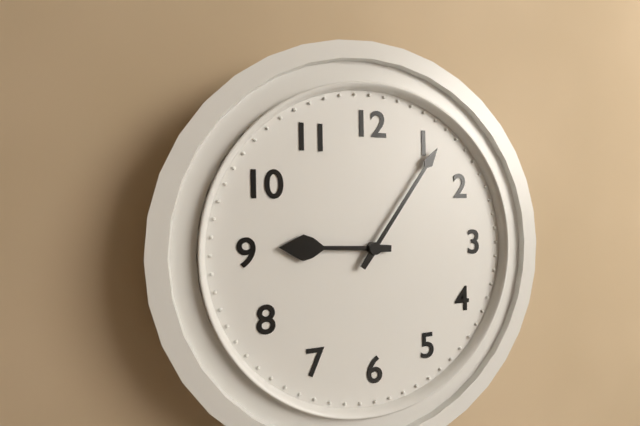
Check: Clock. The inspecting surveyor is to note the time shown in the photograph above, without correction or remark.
9:06
